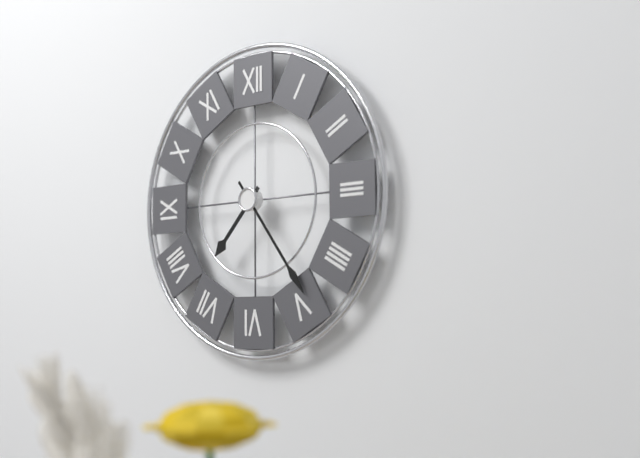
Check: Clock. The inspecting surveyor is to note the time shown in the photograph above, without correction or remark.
7:24
